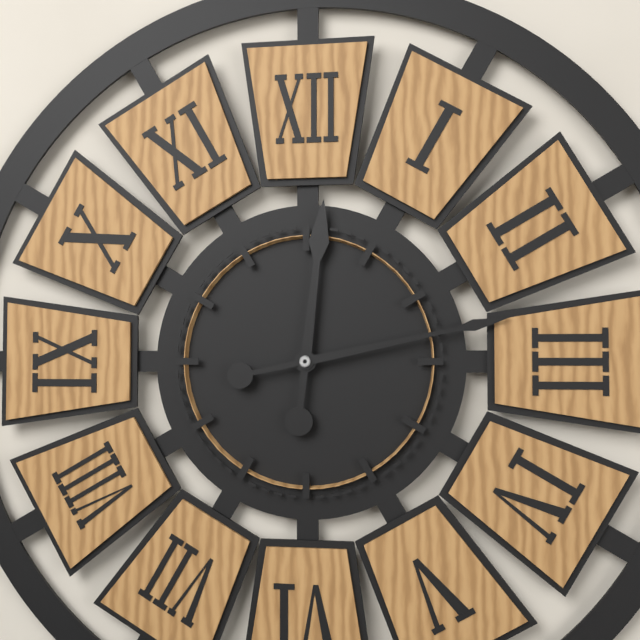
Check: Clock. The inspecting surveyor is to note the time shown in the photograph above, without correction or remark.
12:13
